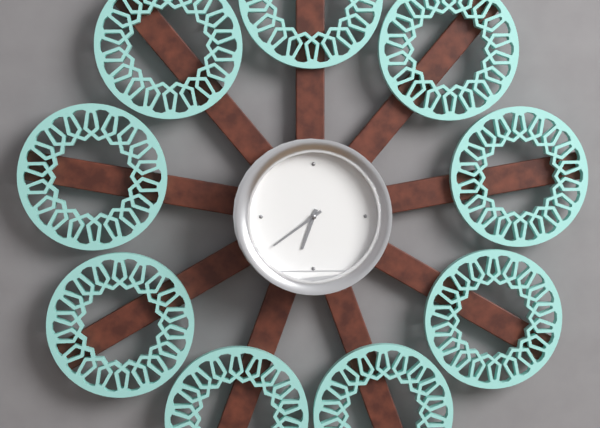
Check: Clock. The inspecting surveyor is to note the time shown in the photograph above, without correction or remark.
6:39
